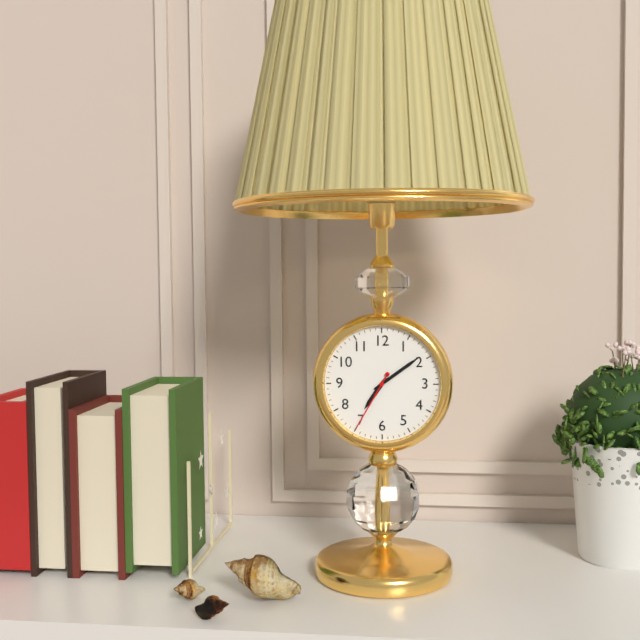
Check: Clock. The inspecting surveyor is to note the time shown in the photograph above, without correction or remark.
7:09:35
